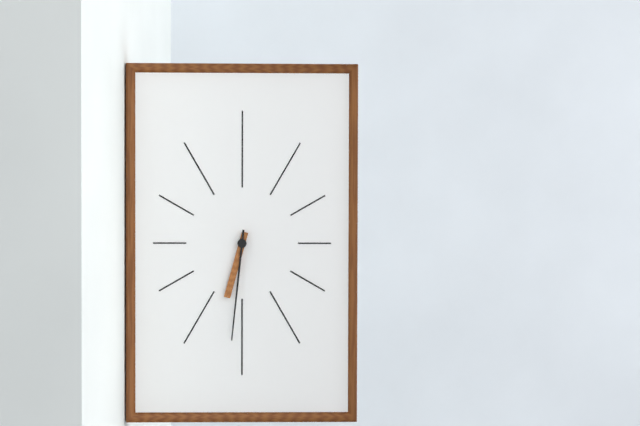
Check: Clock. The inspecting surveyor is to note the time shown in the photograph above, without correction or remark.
6:31
